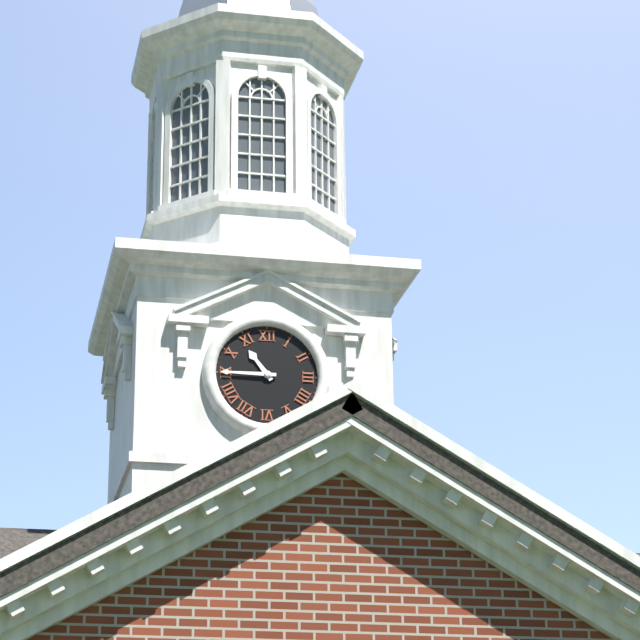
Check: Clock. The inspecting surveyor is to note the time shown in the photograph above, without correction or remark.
10:45
